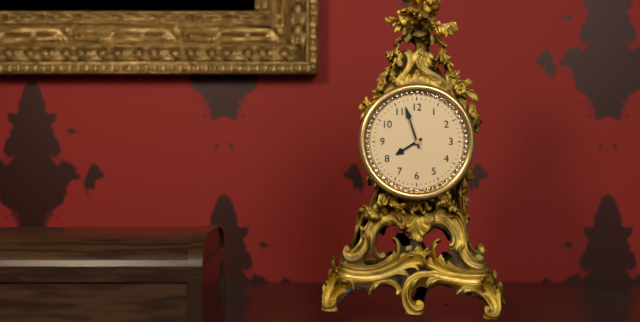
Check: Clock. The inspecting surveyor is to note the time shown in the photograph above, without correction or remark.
7:57
